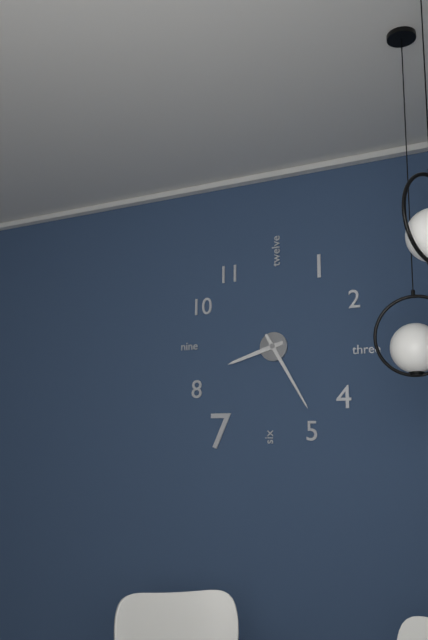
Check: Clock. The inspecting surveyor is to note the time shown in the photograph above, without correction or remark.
8:25
